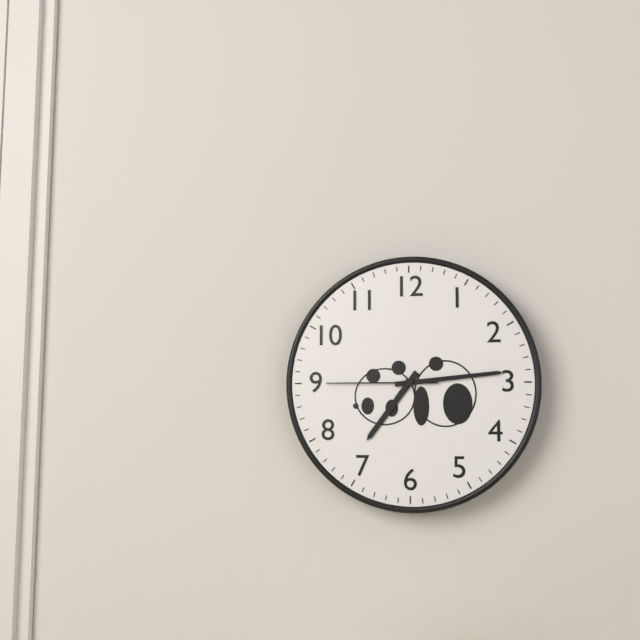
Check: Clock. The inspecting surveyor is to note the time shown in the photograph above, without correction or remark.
7:14:45
